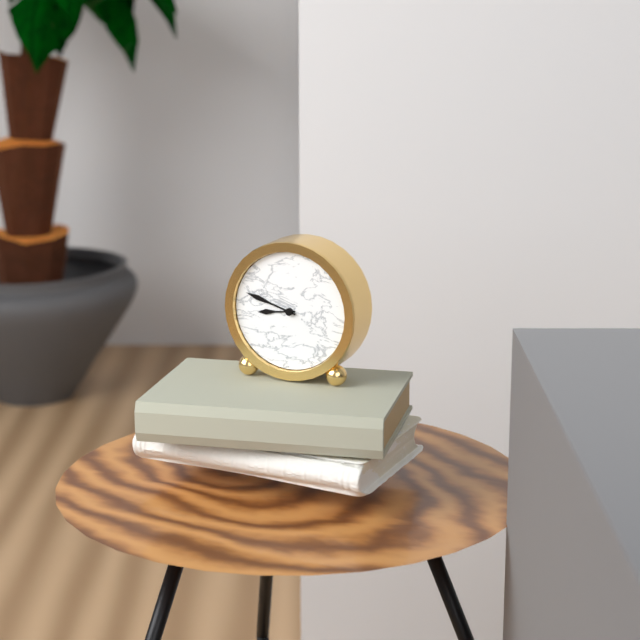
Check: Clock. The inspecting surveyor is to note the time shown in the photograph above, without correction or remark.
8:48
